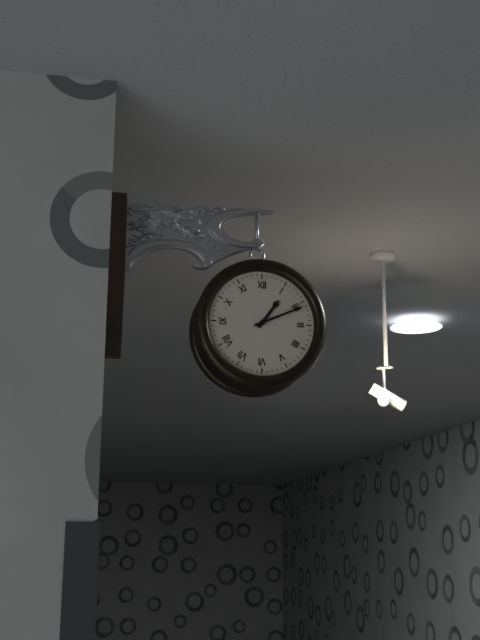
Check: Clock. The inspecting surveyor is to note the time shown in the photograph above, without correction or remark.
1:11
